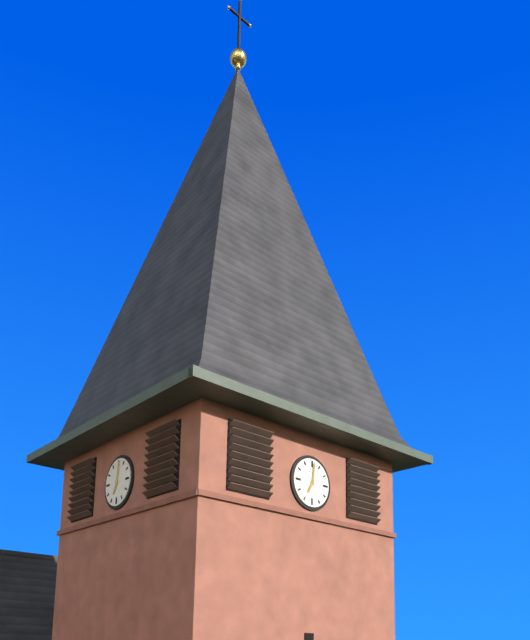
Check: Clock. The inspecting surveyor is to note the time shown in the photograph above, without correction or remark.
7:01
